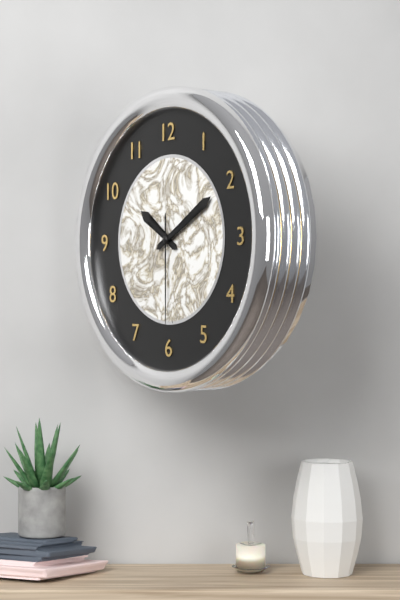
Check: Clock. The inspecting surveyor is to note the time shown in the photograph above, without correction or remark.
10:10:30
